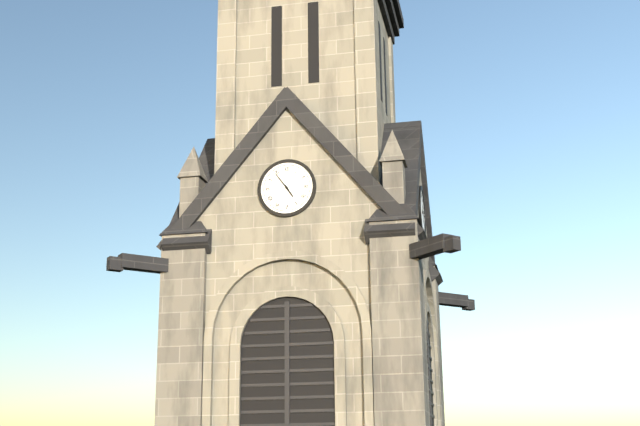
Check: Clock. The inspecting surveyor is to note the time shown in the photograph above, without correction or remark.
4:54
